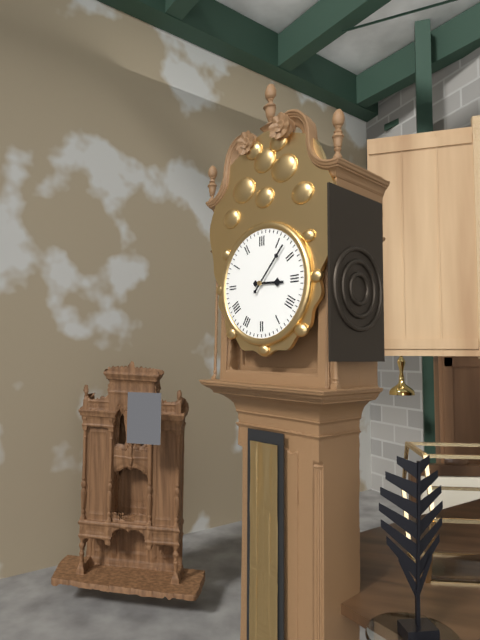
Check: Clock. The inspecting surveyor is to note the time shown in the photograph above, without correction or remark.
3:07
